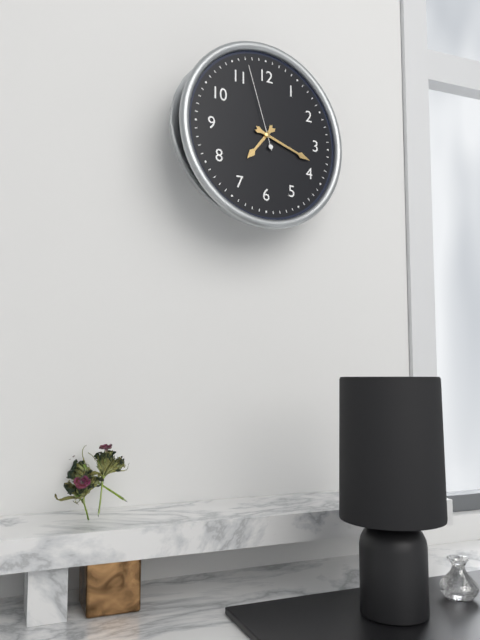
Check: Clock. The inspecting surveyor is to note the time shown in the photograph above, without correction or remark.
7:18:57
